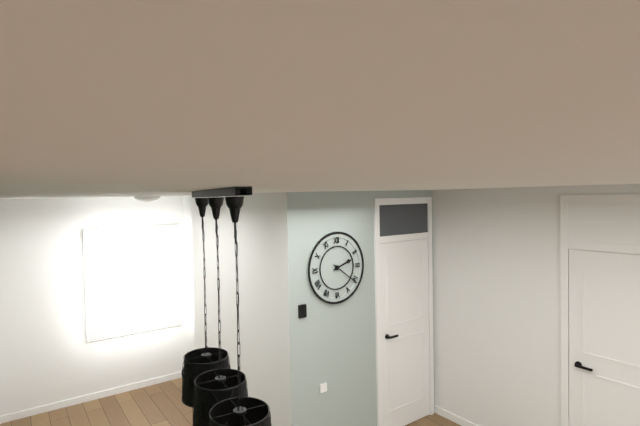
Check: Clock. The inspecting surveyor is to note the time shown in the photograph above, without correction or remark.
2:21
